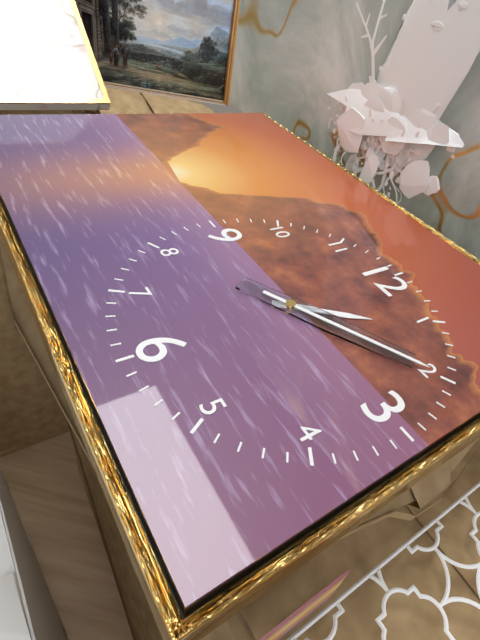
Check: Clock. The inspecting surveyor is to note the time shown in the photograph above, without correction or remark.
1:10
